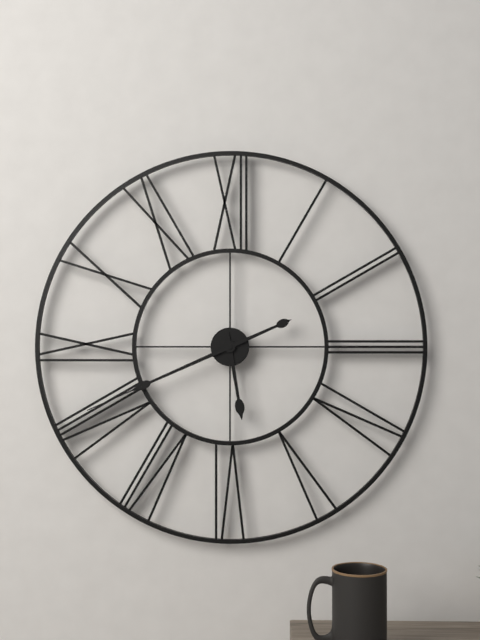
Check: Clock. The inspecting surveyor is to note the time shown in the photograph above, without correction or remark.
5:41
